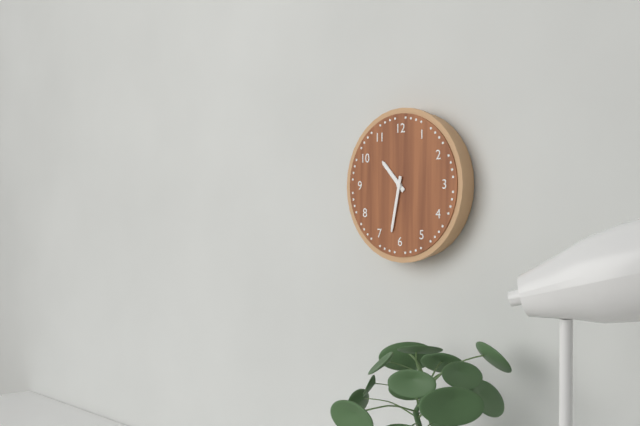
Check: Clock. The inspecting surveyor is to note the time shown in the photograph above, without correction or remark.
10:32
